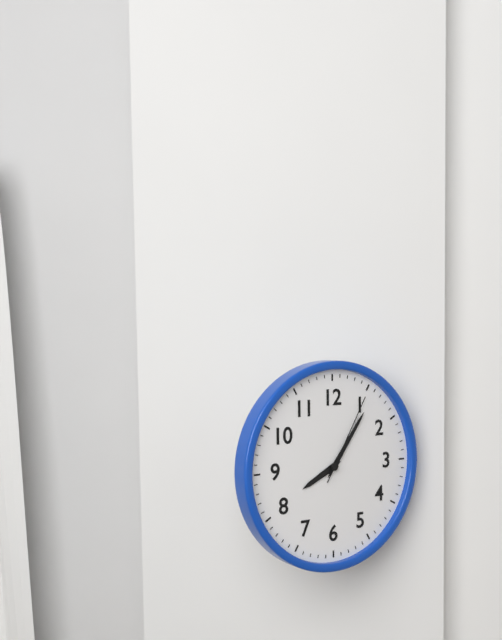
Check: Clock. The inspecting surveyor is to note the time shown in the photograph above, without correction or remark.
8:06:05
